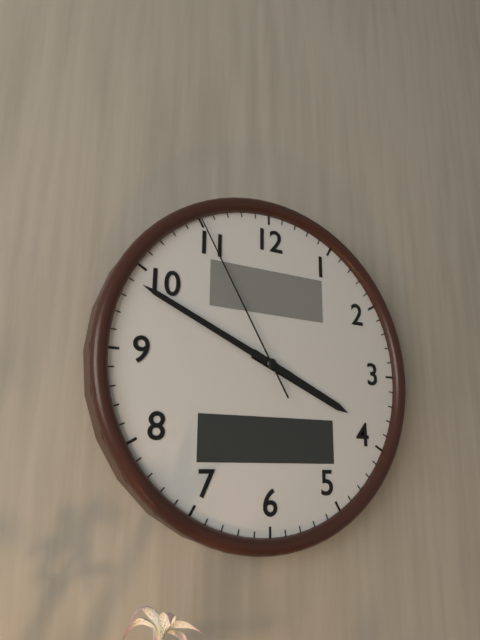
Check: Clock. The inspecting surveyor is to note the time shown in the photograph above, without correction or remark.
3:49:55
